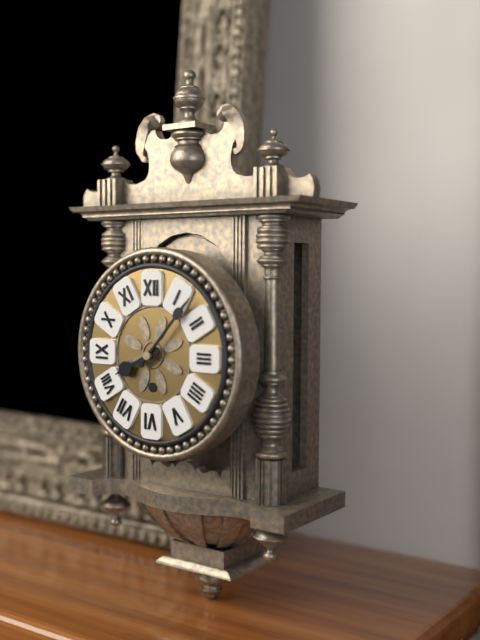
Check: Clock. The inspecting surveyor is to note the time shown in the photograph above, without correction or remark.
8:07
